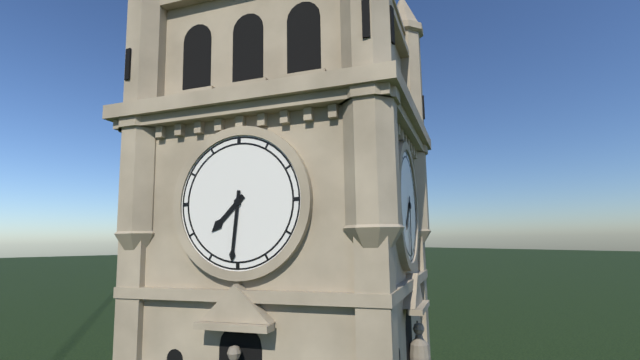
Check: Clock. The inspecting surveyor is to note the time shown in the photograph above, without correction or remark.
7:31
